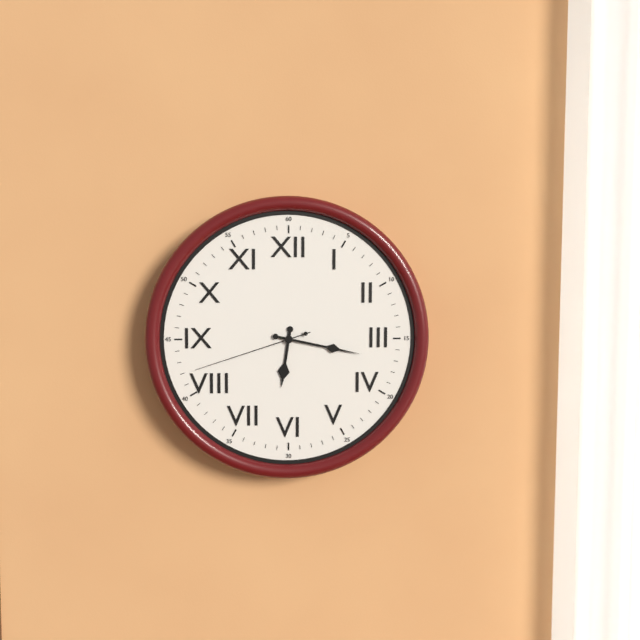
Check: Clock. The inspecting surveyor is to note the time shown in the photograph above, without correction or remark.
6:17:42
